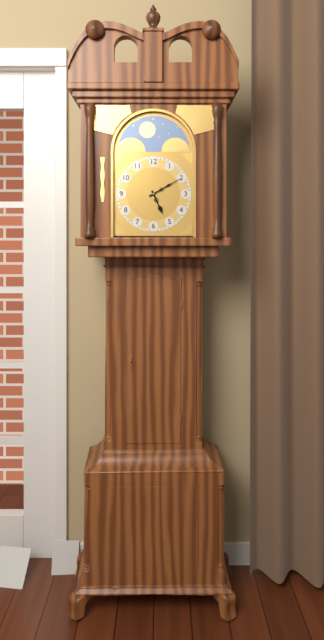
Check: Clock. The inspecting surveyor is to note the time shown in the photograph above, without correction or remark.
5:10
